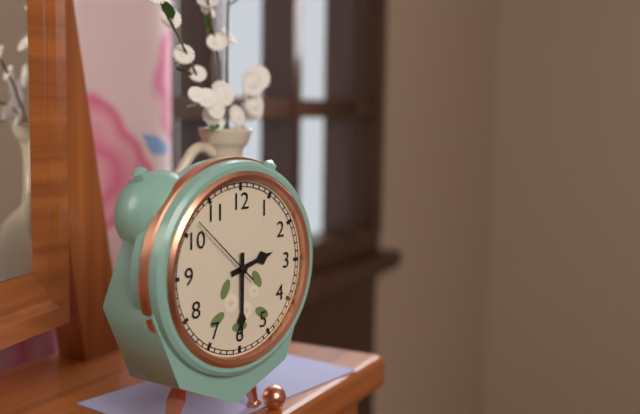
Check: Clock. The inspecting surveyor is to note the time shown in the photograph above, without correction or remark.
2:30:52
